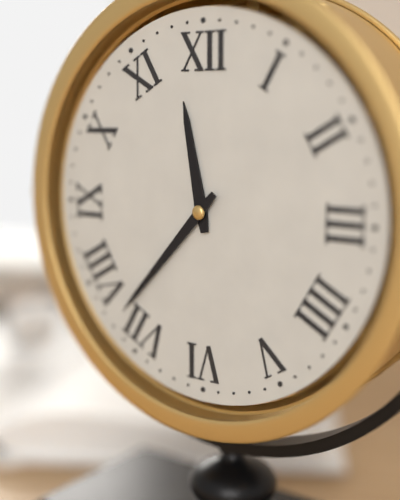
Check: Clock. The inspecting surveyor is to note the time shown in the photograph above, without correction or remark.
11:37
